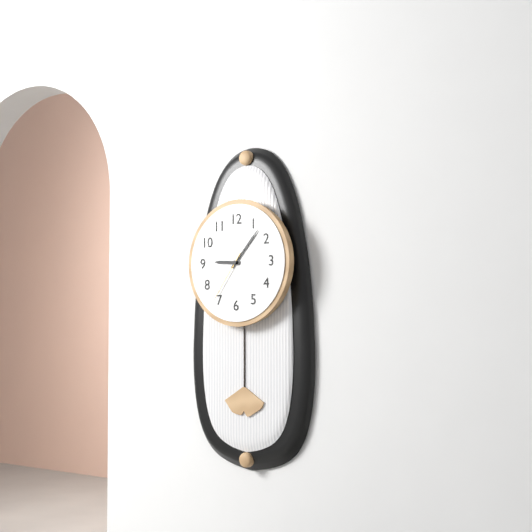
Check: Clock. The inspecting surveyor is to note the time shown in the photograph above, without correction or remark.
9:07:36
